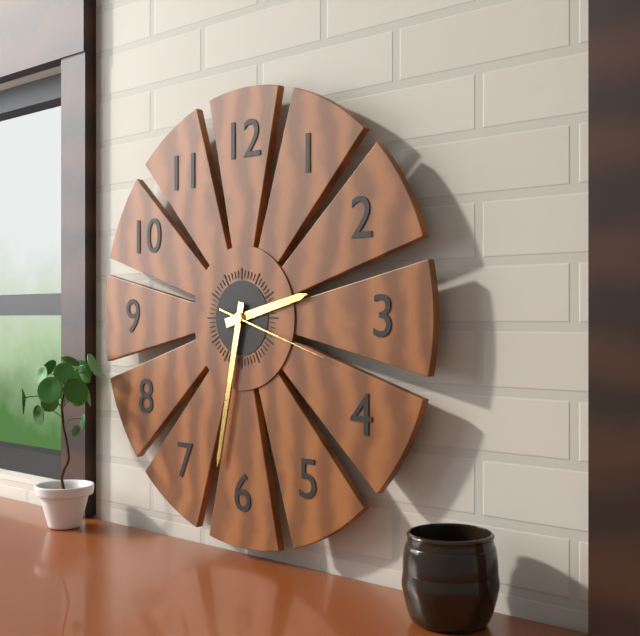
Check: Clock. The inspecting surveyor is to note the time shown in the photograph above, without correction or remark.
2:32:18
